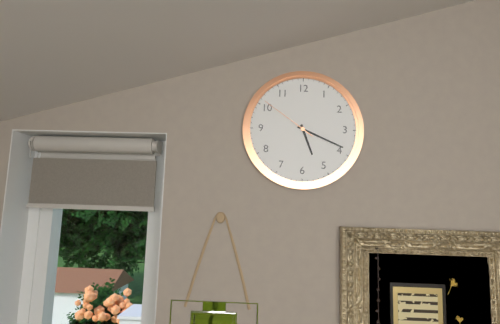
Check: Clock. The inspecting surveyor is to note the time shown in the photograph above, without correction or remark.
5:19:51
